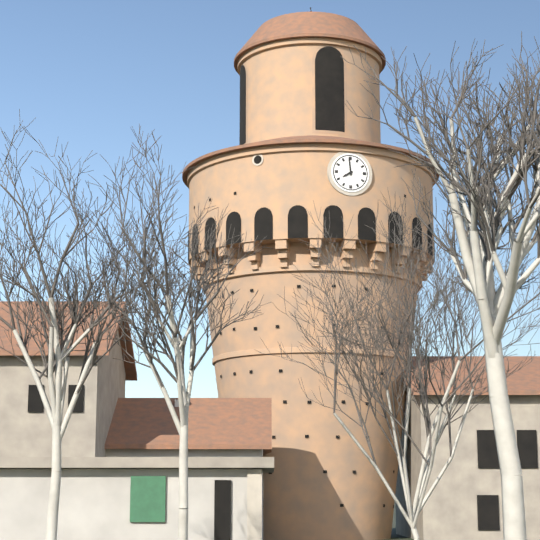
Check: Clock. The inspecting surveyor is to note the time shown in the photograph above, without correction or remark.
7:59
